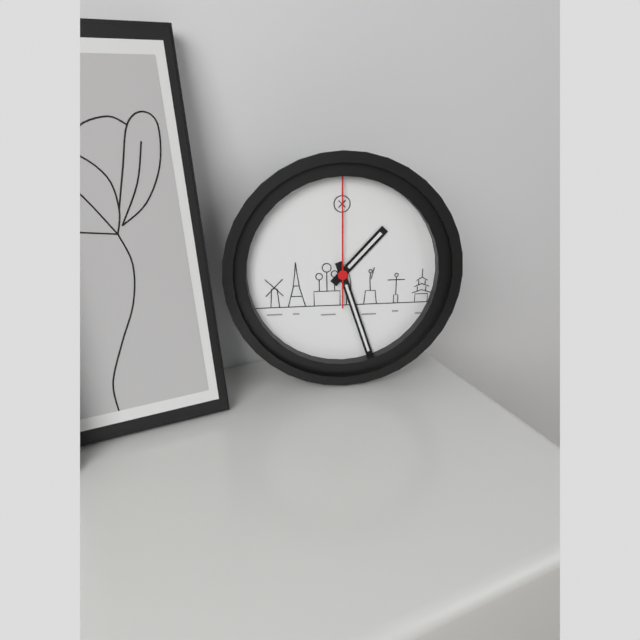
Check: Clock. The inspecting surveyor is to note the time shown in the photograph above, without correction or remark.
1:27:00
